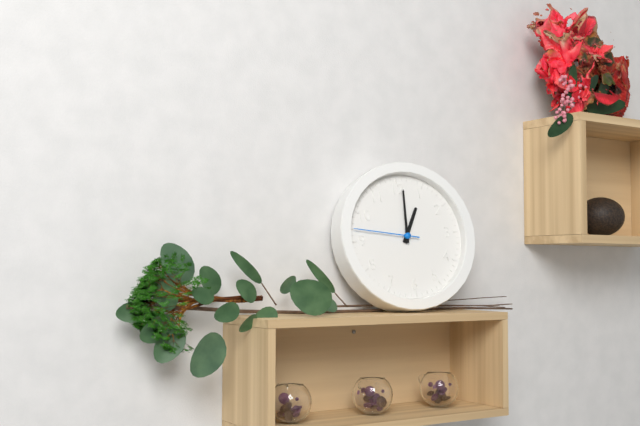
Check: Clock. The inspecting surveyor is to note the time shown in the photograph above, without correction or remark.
1:01:47
